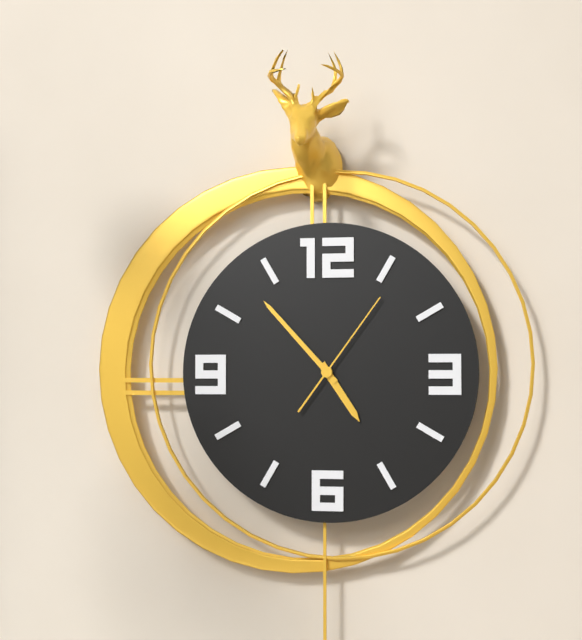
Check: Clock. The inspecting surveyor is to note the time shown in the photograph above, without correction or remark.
4:53:06
